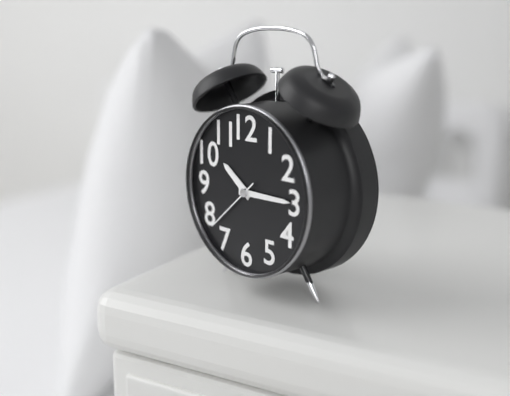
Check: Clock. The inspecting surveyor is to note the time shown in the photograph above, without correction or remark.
10:15:38
